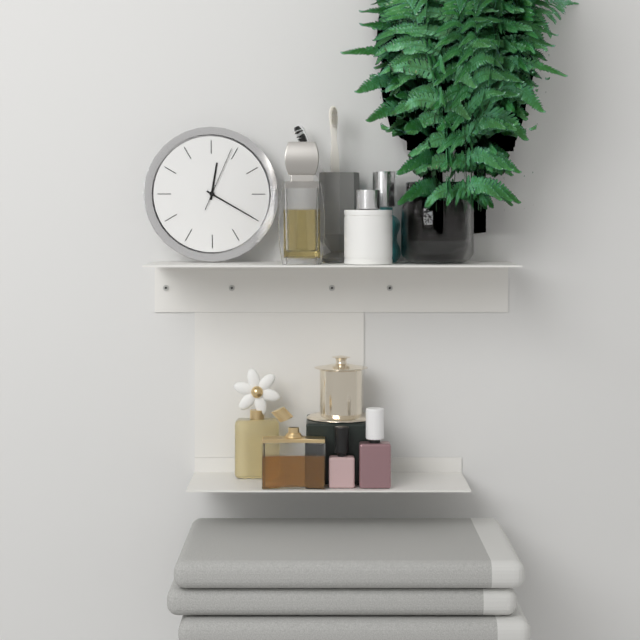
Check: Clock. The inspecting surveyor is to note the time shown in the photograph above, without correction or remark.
12:20:04
